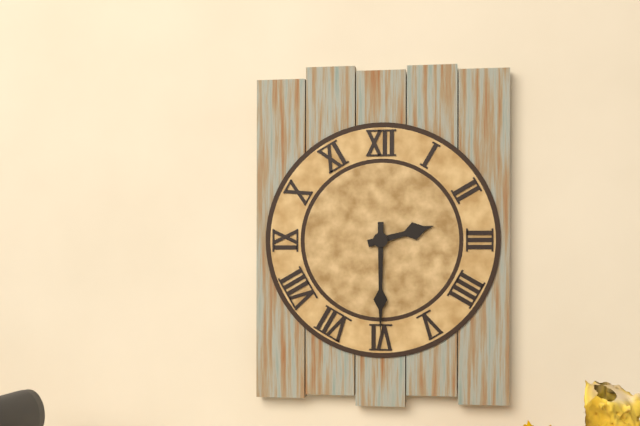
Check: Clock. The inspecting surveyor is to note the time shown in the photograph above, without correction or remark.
2:30
